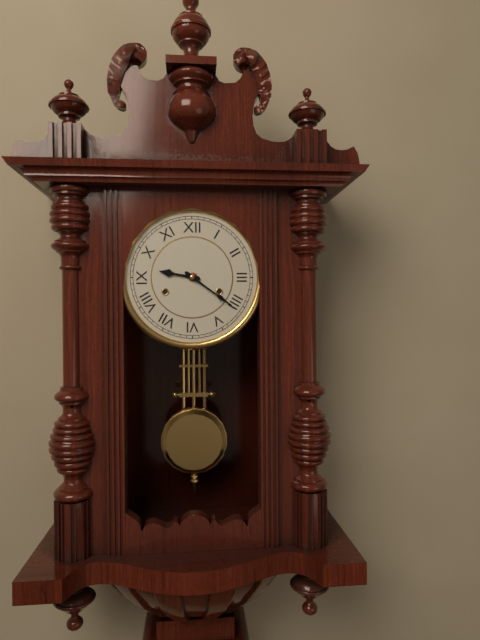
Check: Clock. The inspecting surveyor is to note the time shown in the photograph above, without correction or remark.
9:21
